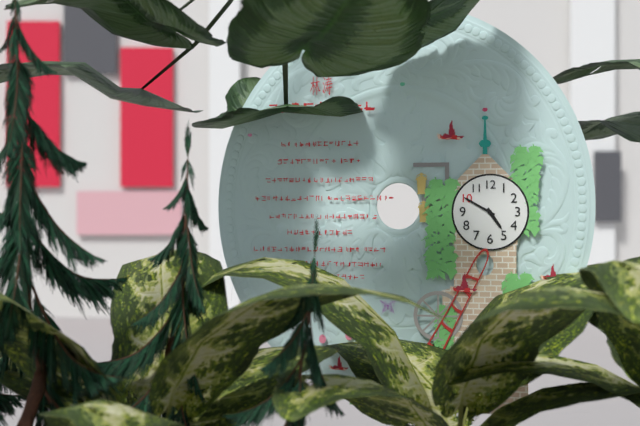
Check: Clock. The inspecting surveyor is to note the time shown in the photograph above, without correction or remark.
4:50
